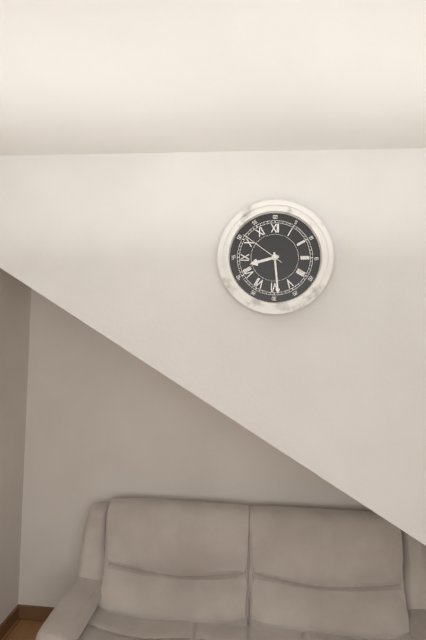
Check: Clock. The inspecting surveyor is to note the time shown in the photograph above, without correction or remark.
8:29
